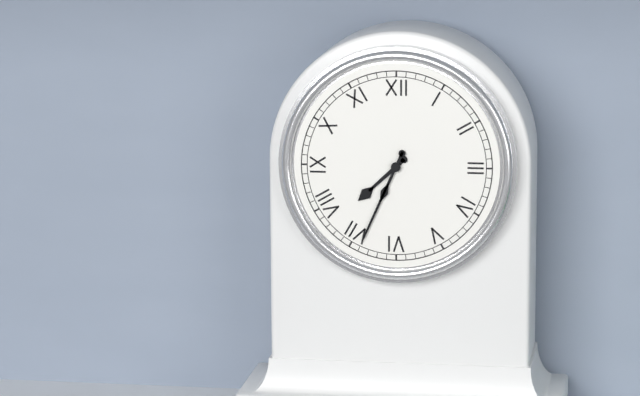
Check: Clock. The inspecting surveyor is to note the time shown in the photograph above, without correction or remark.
7:34
